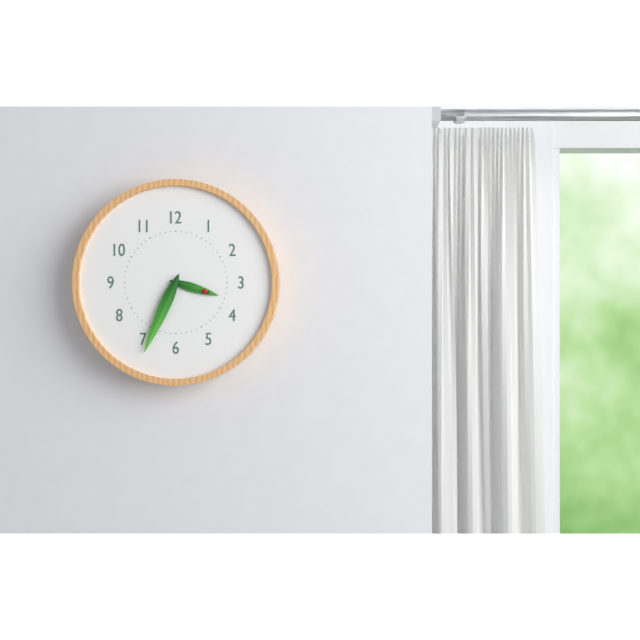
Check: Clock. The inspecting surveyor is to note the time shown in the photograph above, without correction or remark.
3:34
